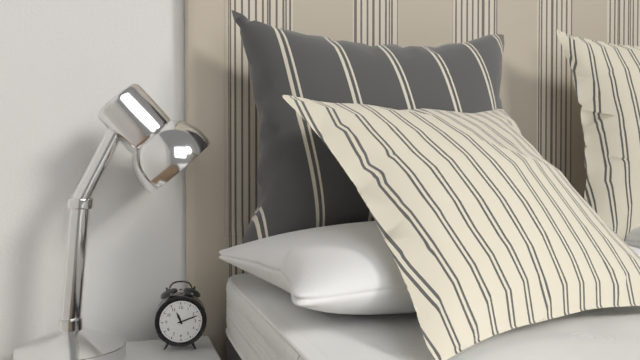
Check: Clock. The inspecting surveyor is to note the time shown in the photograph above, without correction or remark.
11:12
